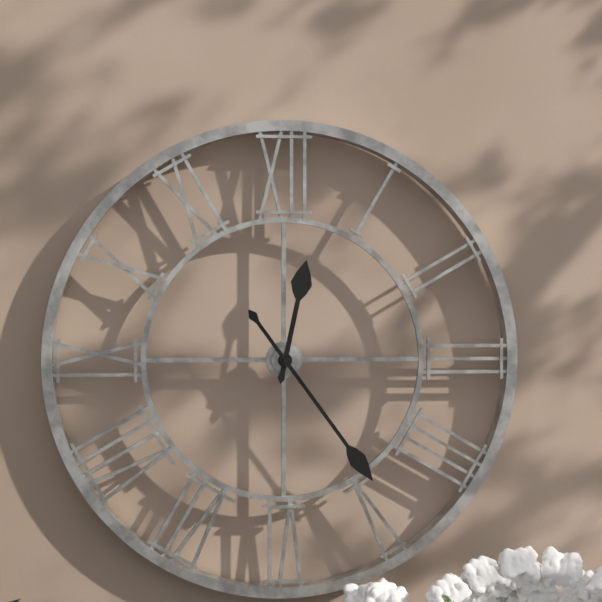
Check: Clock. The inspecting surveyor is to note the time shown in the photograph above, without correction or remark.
12:24
